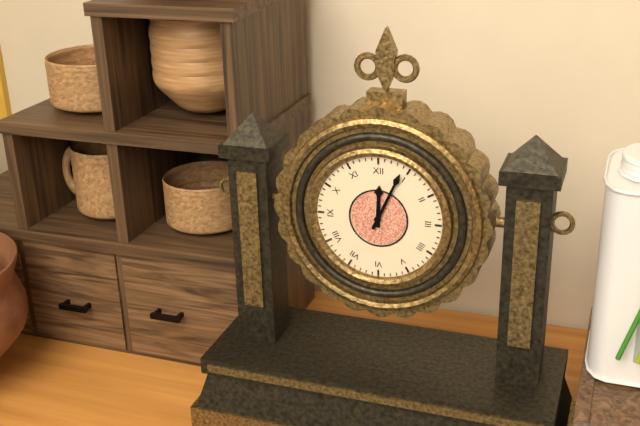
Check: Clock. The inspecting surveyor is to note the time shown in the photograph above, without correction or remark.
12:04
